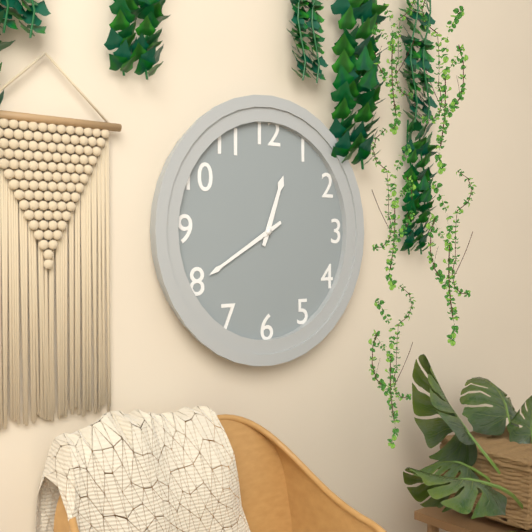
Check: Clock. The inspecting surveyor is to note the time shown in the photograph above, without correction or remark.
12:40
